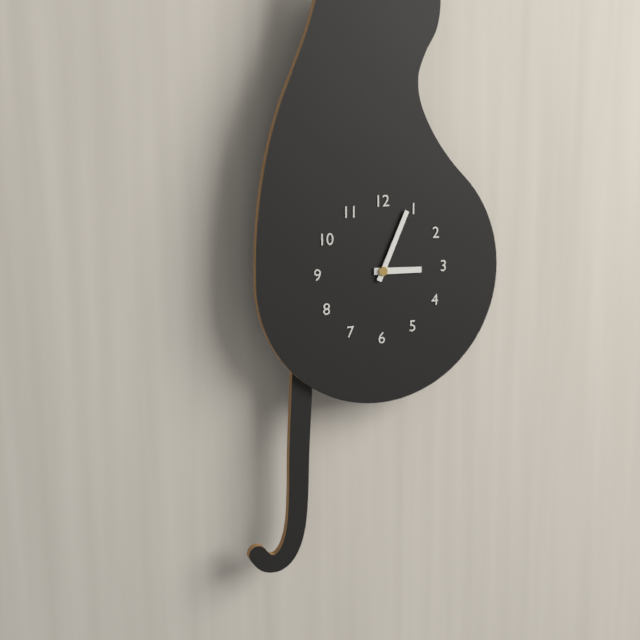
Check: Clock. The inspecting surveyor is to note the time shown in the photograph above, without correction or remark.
3:04
